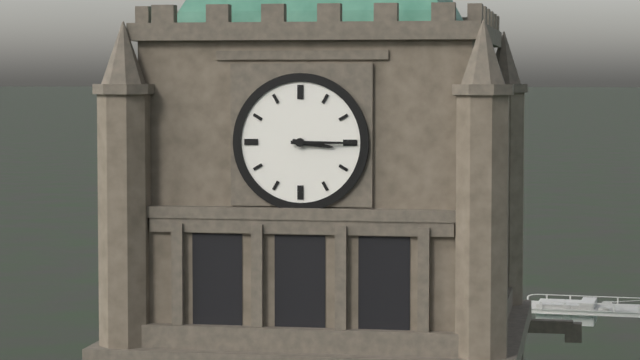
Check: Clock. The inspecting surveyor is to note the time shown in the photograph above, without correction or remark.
3:15
